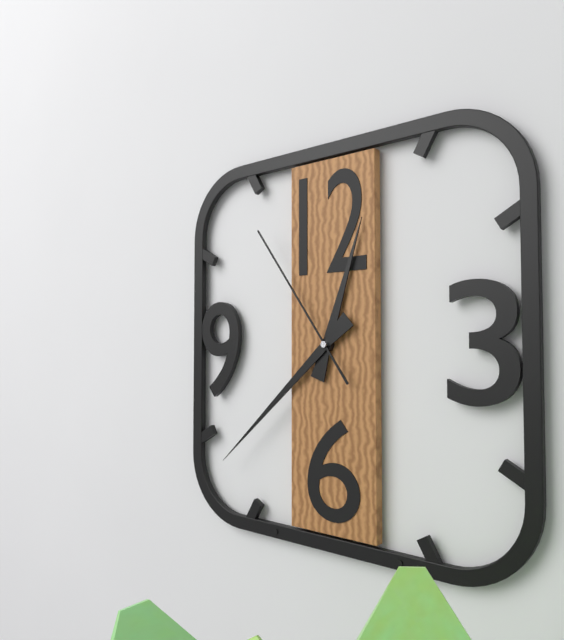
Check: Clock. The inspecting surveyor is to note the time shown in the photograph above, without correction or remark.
12:38:54
